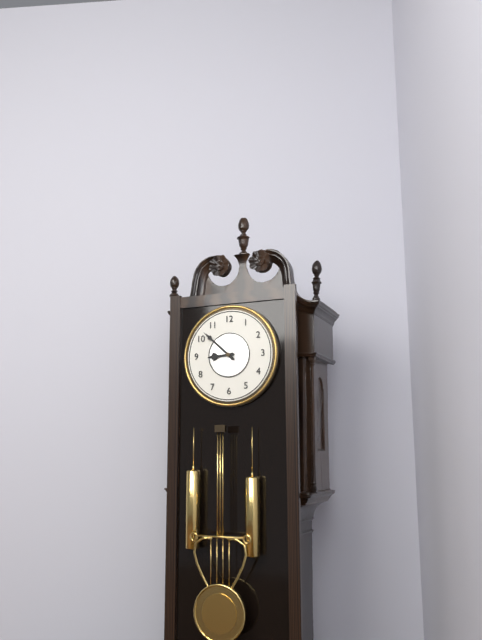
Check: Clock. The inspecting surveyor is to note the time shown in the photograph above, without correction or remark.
8:52
